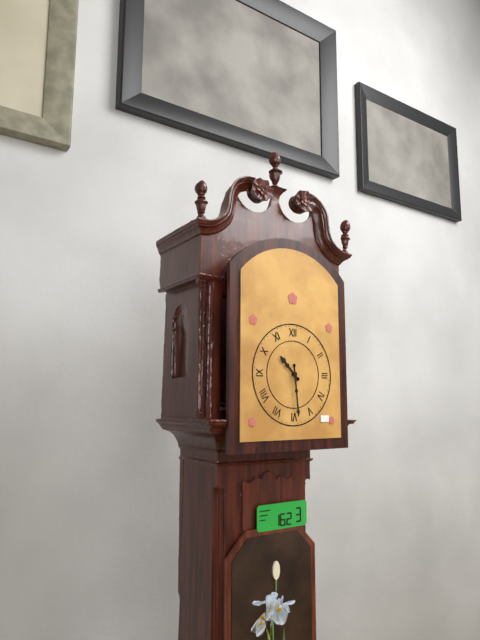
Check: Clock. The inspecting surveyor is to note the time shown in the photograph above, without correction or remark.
10:29
